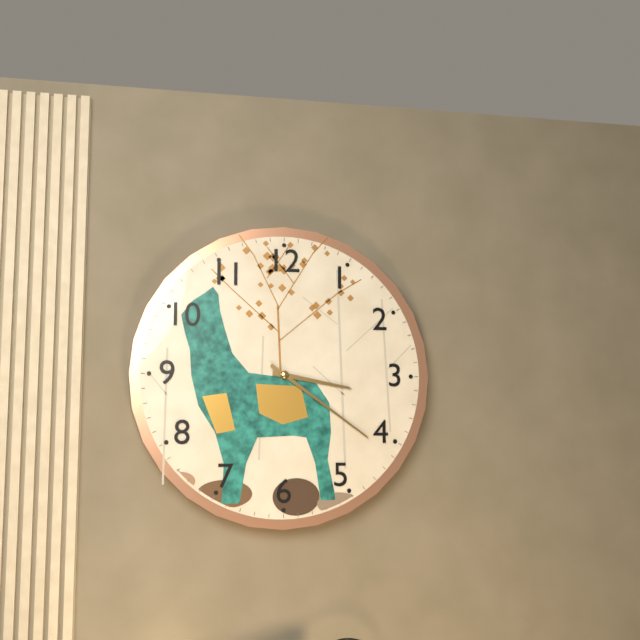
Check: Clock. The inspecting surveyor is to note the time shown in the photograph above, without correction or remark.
3:21
